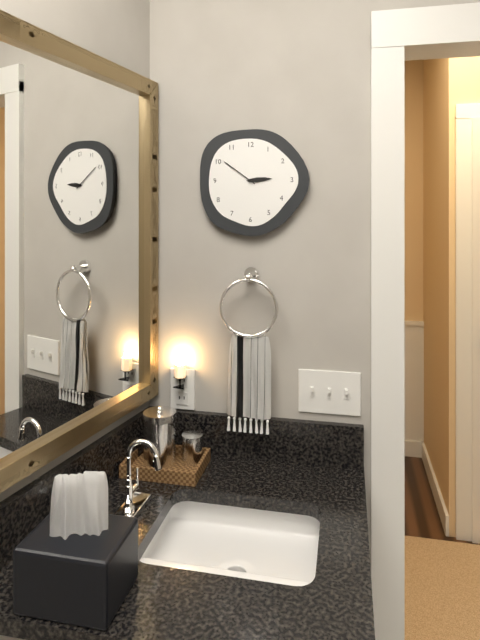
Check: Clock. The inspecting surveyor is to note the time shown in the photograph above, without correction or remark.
2:51
